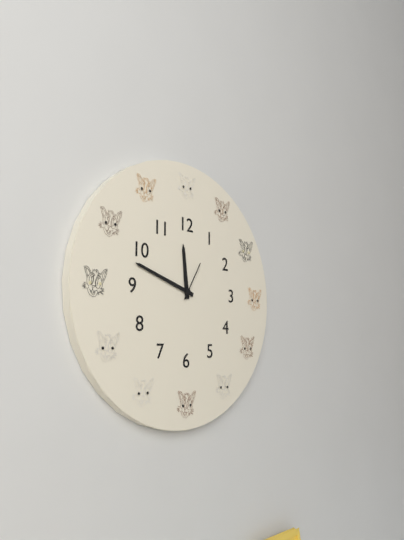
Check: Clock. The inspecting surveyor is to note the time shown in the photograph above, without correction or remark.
11:48
